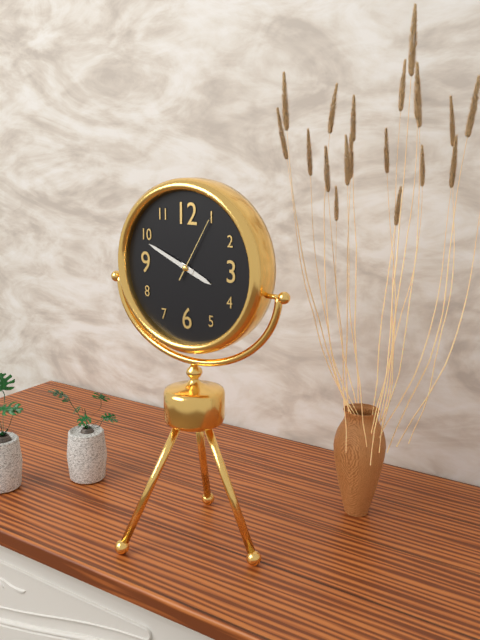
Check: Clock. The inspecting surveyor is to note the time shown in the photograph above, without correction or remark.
3:49:05
